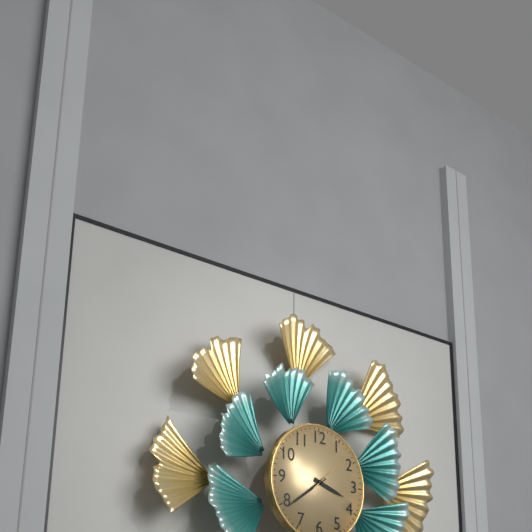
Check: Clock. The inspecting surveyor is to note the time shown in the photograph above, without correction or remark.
3:39:08
